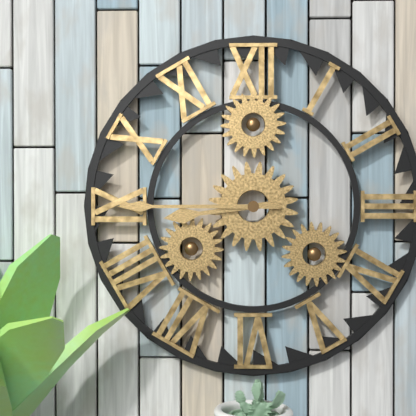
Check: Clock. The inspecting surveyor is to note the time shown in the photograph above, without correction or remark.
8:45
